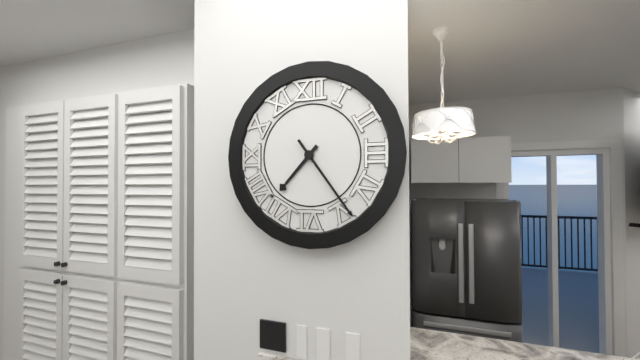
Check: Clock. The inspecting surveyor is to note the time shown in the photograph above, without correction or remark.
7:24
